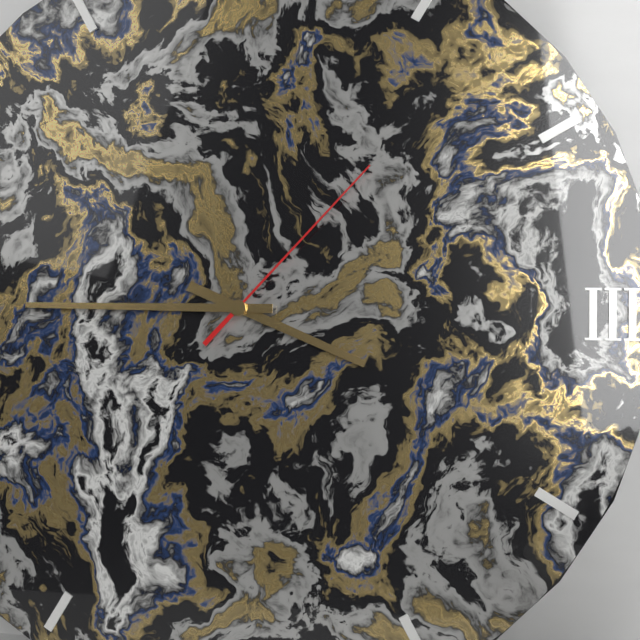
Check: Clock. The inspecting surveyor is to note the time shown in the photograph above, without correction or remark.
3:45:07
